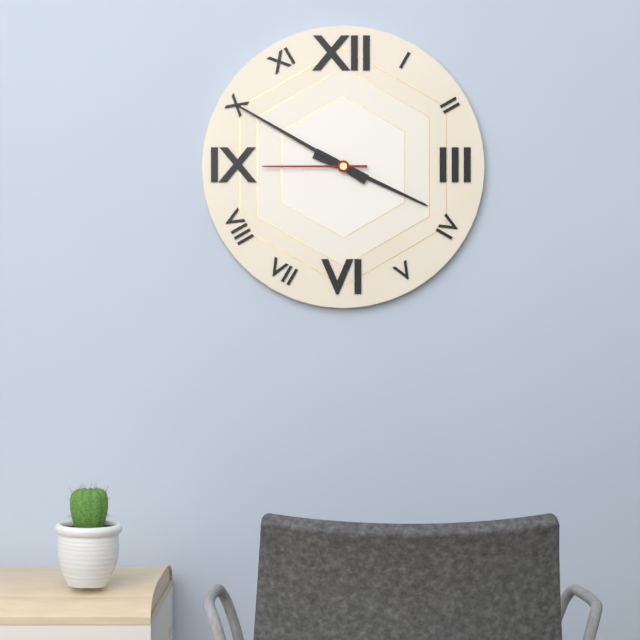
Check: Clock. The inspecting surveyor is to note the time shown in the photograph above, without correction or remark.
3:50:45
